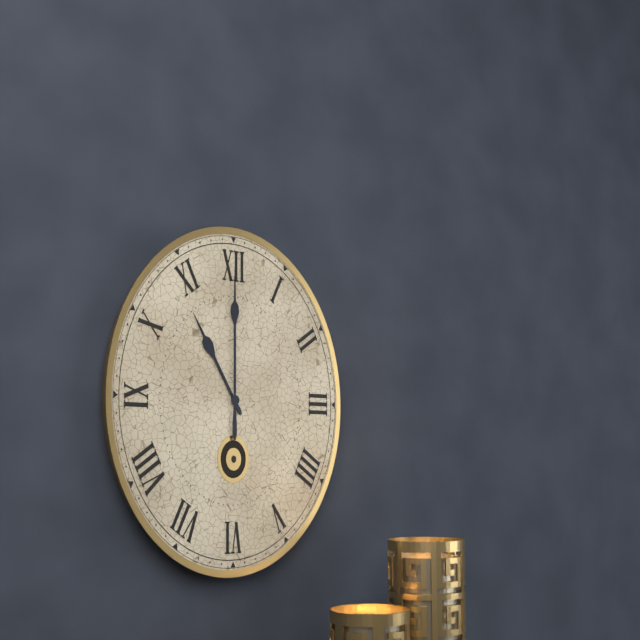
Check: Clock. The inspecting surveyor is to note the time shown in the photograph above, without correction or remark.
11:00
